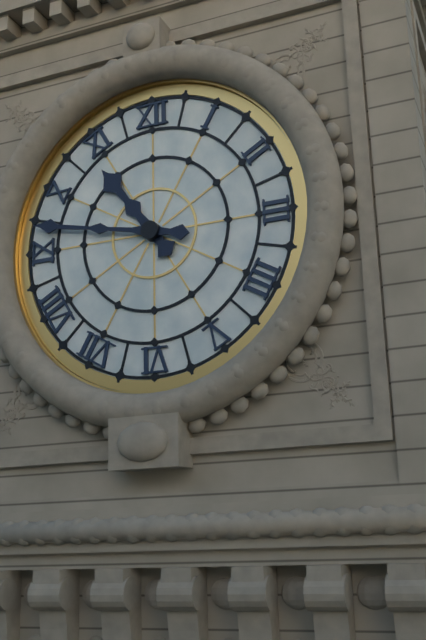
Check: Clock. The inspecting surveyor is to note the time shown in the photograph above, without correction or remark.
10:47
